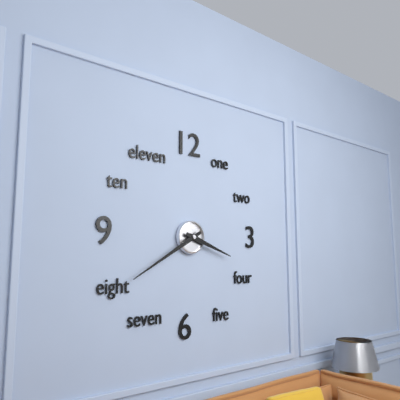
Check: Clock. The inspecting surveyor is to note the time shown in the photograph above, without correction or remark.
3:40
